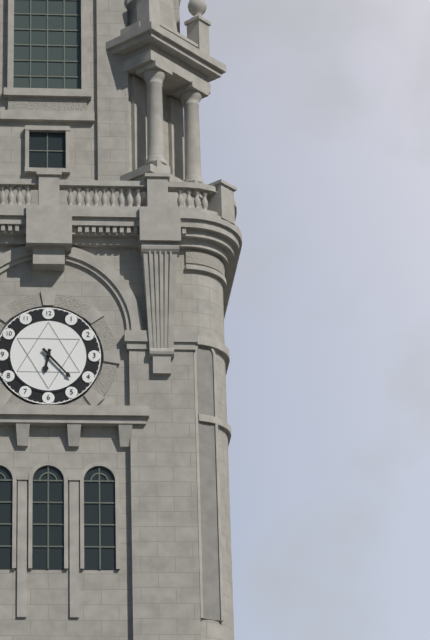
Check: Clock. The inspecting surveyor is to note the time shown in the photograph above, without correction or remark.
6:23
